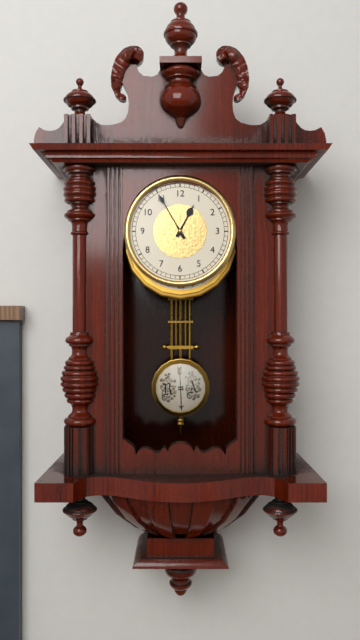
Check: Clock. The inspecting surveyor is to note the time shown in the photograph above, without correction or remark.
12:55
